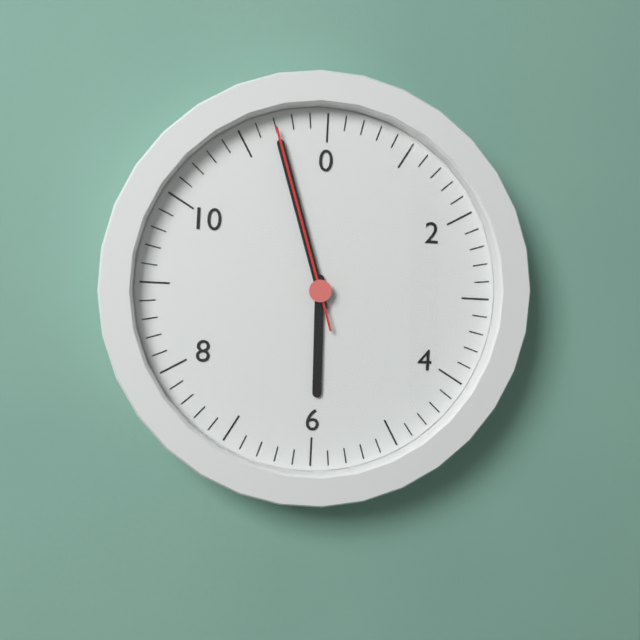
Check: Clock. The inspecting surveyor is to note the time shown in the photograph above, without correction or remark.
5:57:57
